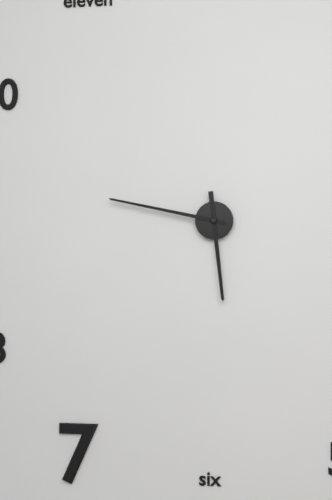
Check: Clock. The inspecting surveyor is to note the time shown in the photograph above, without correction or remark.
5:47
